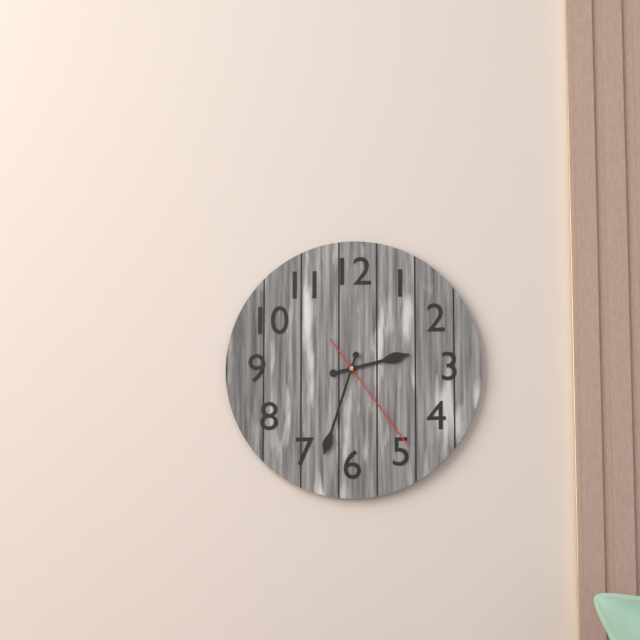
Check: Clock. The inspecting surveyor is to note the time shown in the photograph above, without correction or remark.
2:33:24
